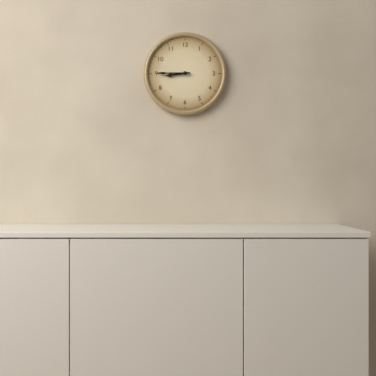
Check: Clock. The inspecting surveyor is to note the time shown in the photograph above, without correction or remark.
8:45
